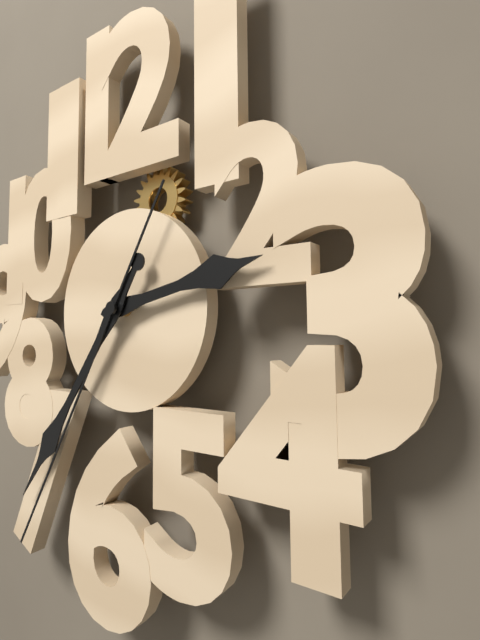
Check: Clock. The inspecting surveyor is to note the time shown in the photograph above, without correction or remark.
2:36:35
